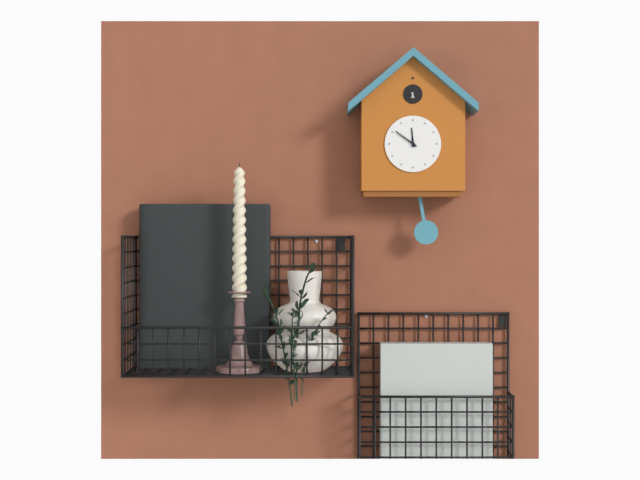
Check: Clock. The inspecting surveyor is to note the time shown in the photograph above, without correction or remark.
11:51
